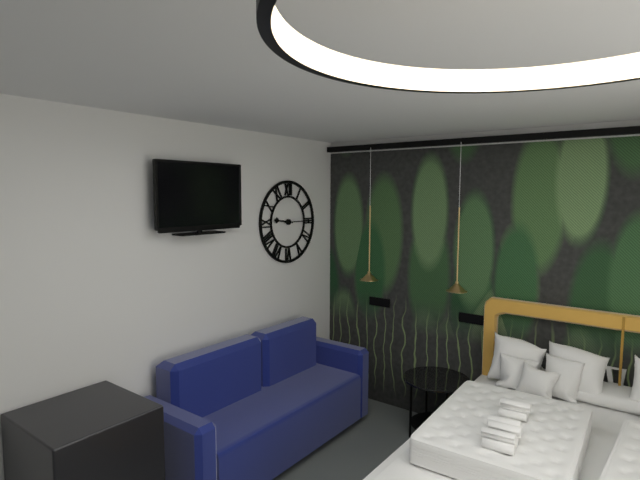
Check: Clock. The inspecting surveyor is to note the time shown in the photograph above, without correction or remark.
9:15
